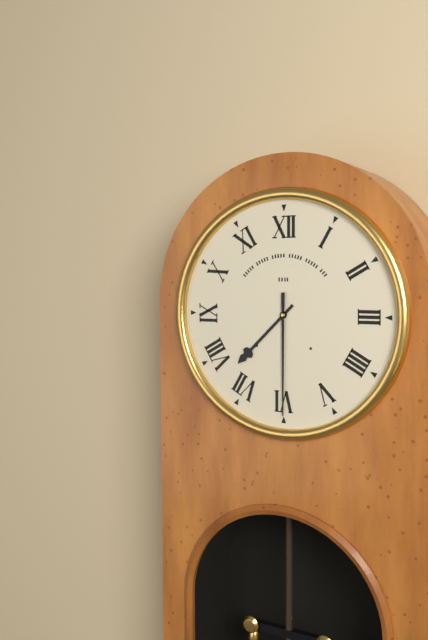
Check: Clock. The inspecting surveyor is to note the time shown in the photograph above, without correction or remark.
7:30
